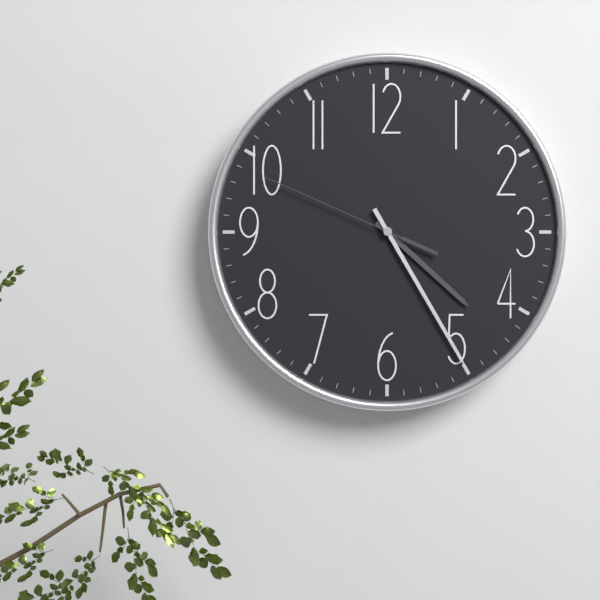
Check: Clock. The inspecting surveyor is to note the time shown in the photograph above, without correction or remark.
4:25:49
